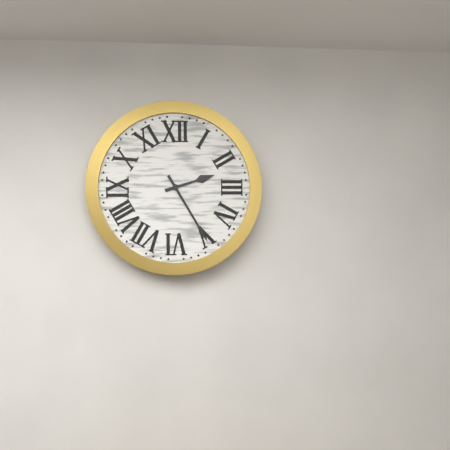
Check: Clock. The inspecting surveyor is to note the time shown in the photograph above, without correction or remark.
2:25
